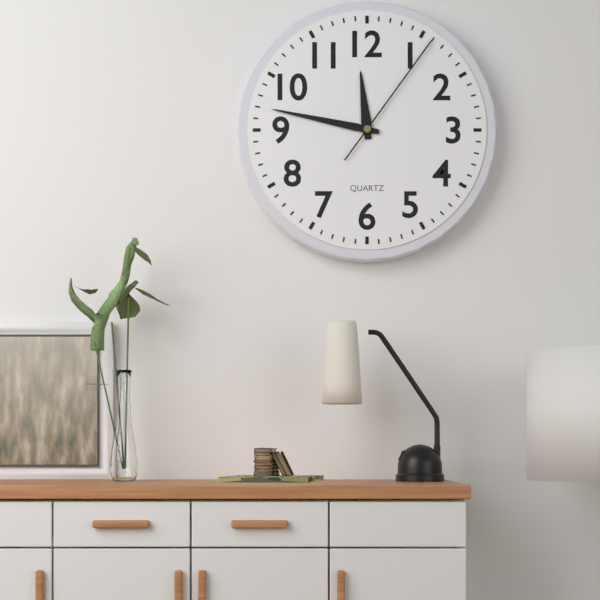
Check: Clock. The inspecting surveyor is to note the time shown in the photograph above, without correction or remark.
11:47:06
